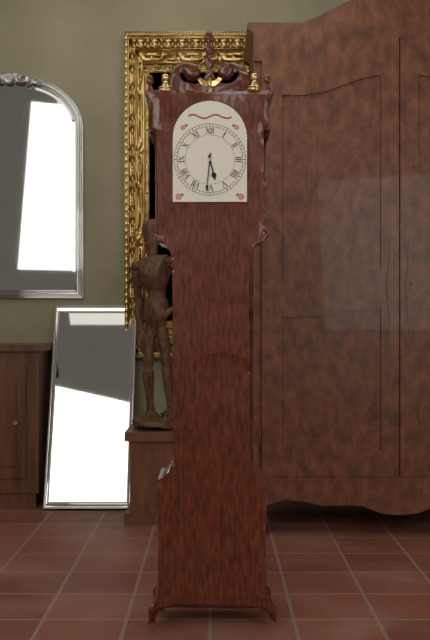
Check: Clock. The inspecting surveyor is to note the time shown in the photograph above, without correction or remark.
5:31
